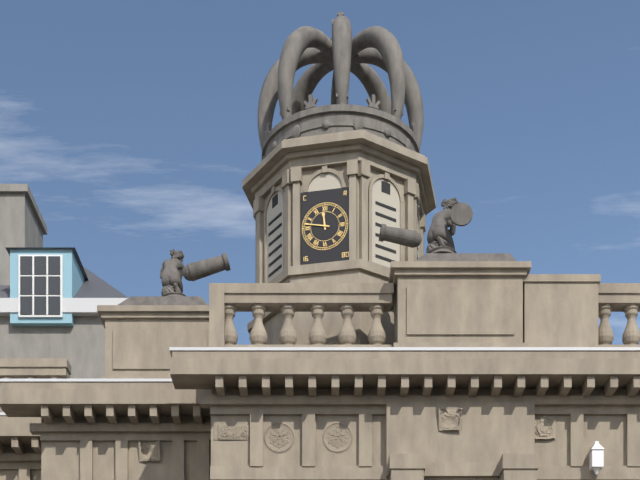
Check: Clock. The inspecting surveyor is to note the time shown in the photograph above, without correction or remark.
11:47
